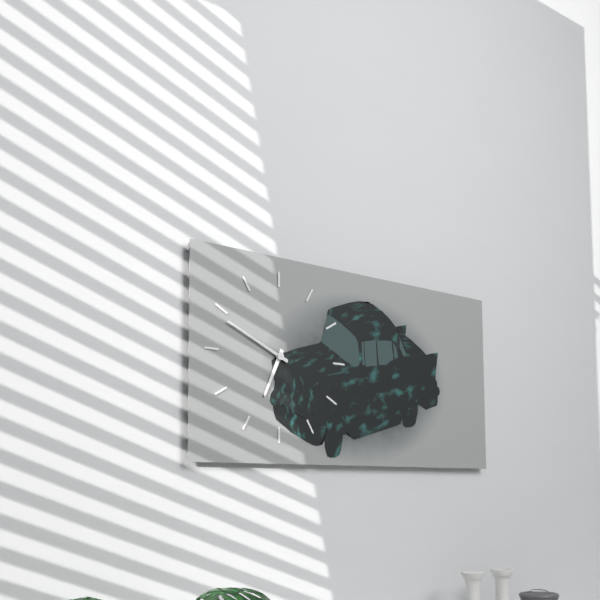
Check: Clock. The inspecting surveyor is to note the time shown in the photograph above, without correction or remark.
6:49
